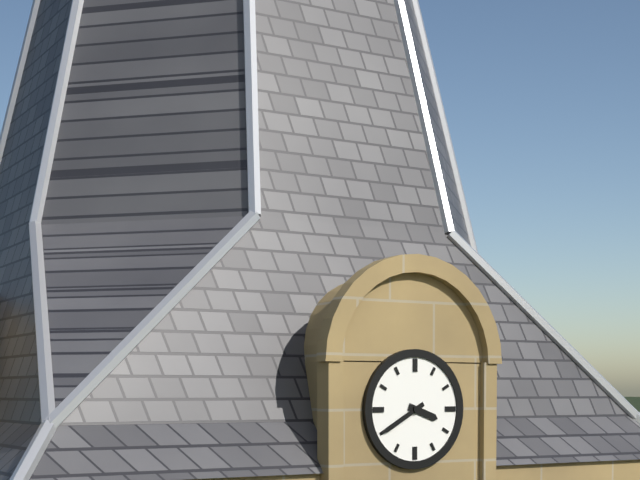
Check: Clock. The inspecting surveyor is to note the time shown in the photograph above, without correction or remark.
3:40
